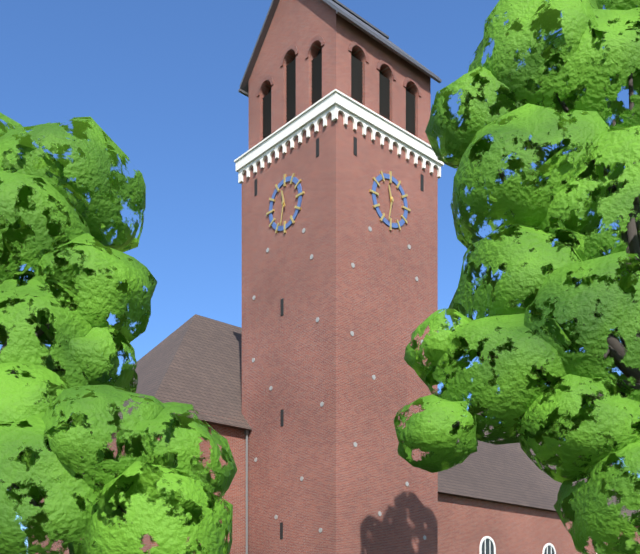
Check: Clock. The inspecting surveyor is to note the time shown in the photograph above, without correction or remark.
11:32
